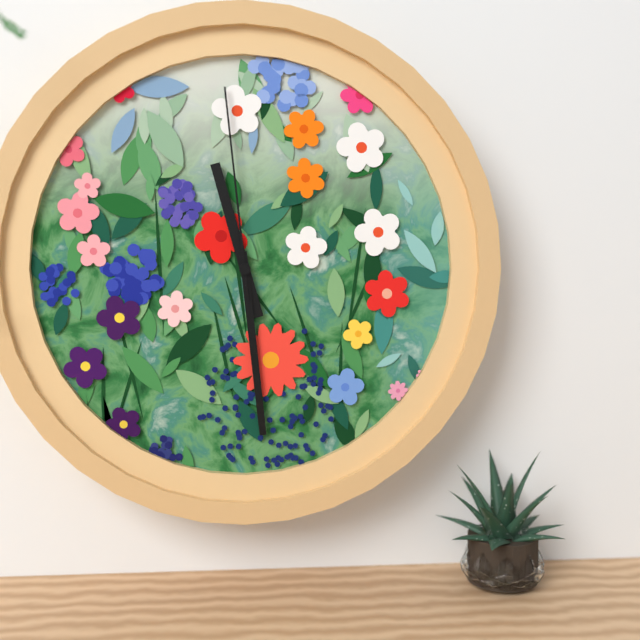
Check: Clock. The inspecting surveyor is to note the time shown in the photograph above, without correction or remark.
11:29:59
